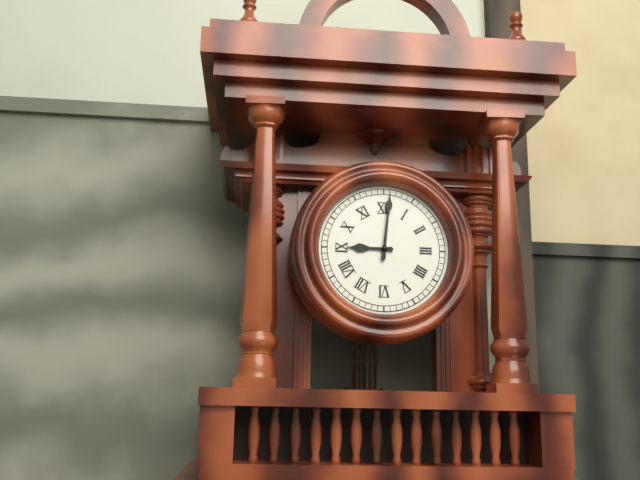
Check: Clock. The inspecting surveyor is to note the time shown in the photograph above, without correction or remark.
9:01
